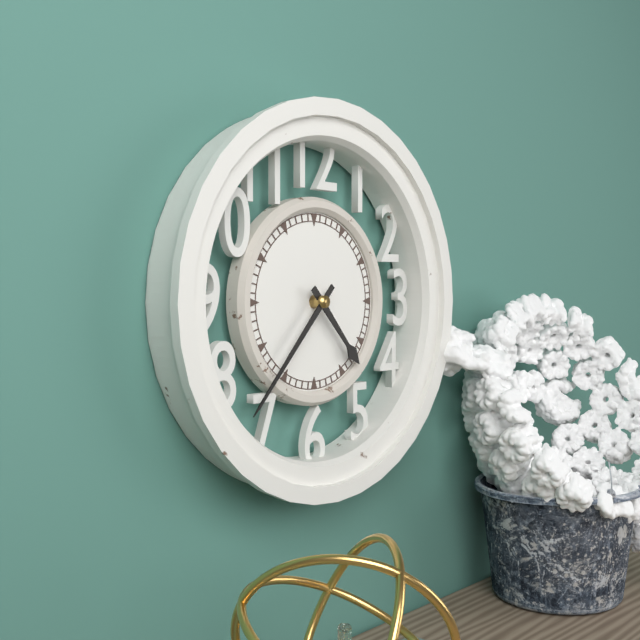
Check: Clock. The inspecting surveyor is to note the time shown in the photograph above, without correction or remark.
4:37
